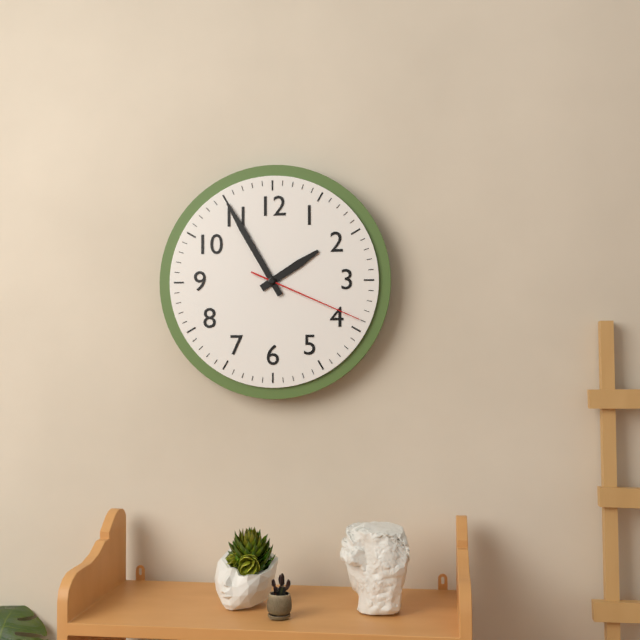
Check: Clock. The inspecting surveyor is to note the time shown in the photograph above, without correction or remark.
1:55:19
